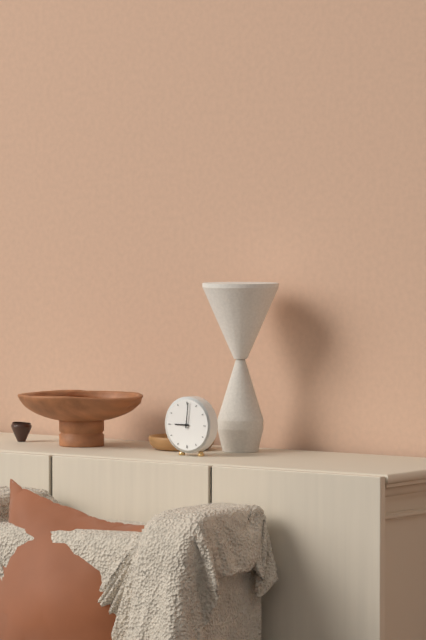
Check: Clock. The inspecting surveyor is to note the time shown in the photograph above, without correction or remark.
9:01
